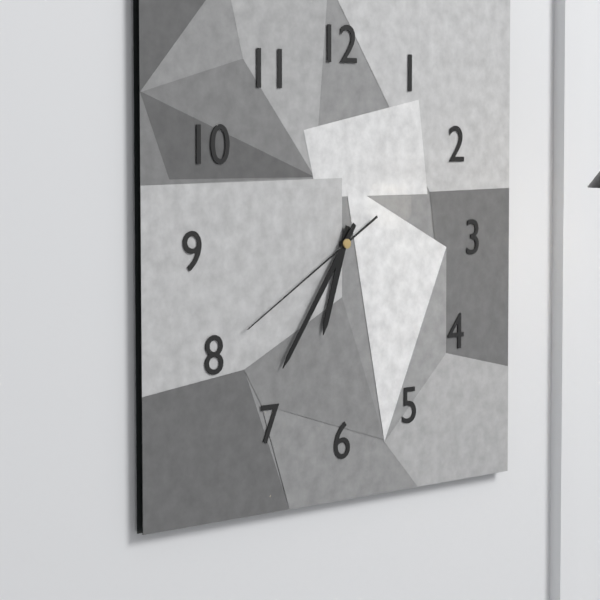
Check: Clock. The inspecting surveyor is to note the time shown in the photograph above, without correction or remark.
6:36:40
